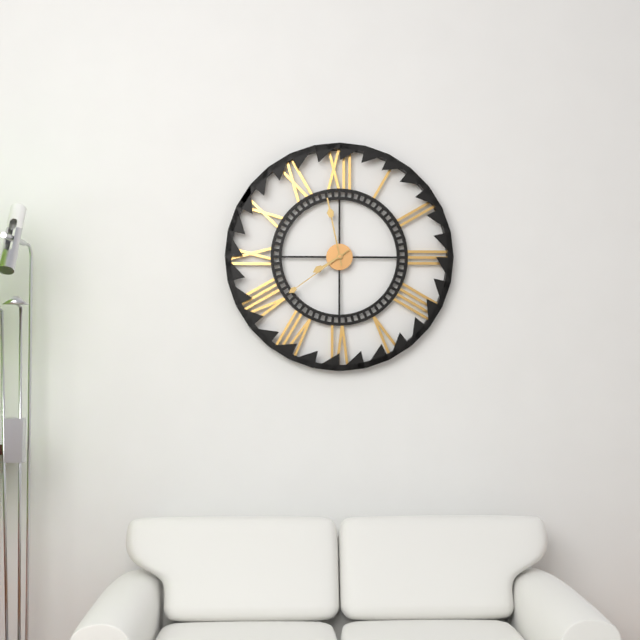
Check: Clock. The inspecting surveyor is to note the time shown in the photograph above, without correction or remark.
7:58:39
